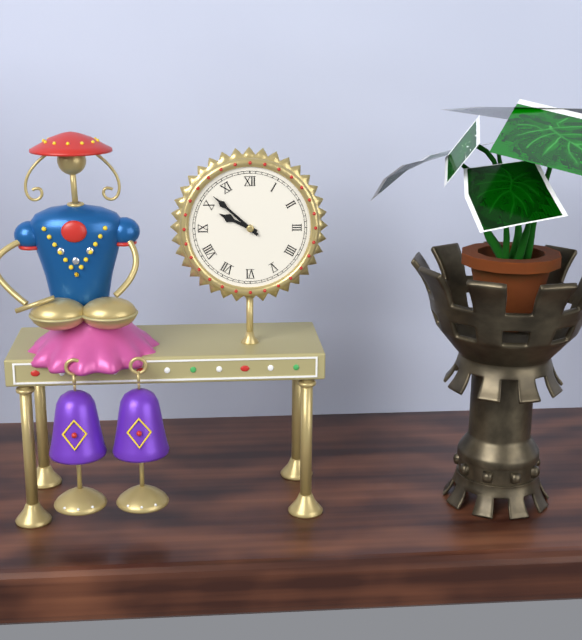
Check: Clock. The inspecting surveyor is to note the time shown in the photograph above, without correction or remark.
9:52
